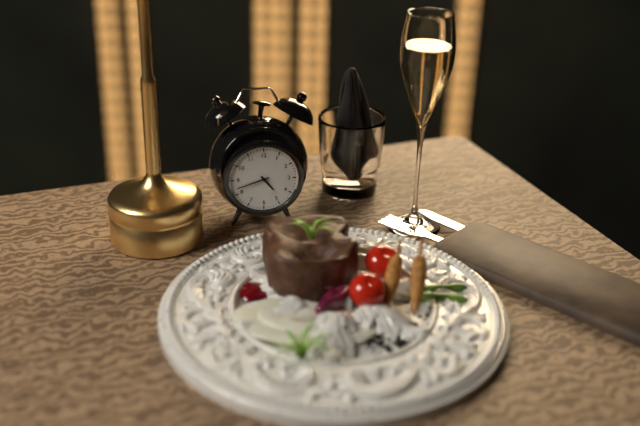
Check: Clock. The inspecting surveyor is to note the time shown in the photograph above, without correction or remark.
4:42
